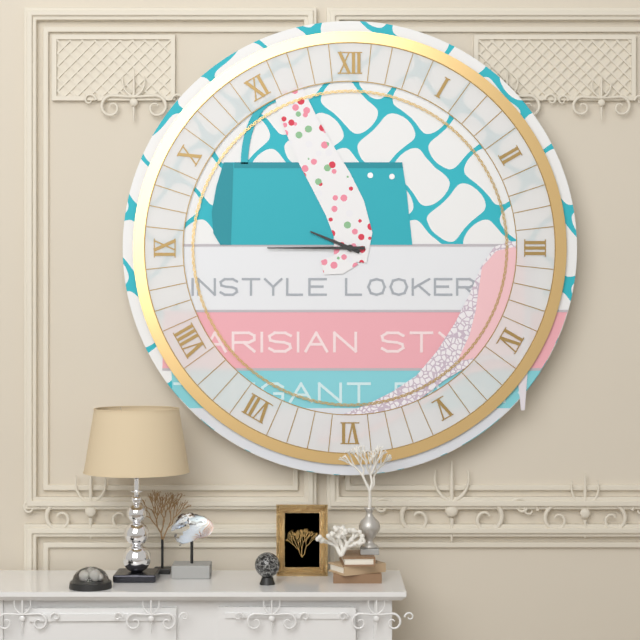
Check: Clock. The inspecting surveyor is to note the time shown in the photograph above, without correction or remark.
9:45
